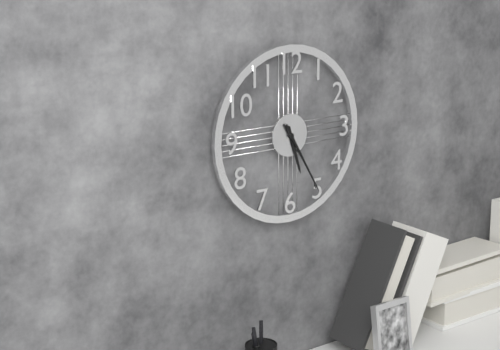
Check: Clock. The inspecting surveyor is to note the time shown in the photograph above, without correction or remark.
5:25
